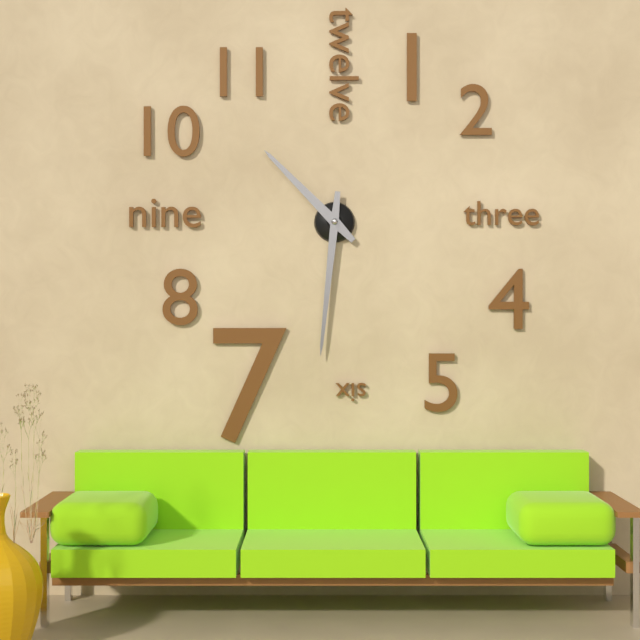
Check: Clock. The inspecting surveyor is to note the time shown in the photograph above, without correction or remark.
10:31
